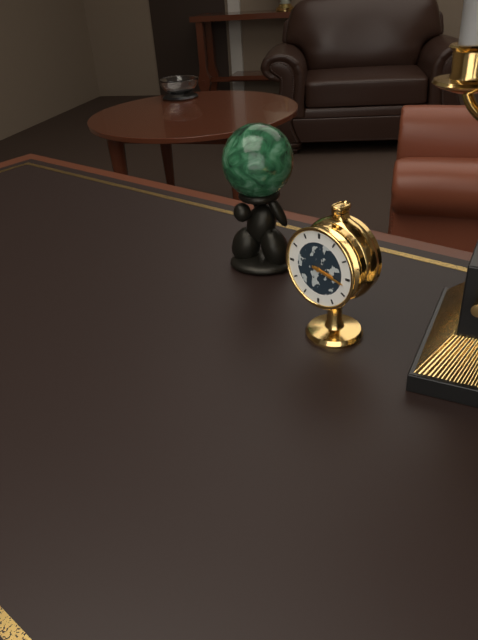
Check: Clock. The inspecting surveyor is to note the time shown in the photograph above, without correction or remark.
3:17
